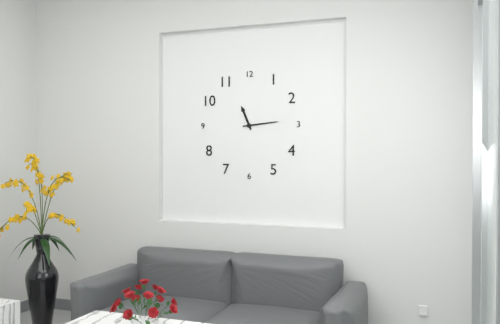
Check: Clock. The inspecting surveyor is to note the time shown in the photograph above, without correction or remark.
11:14
